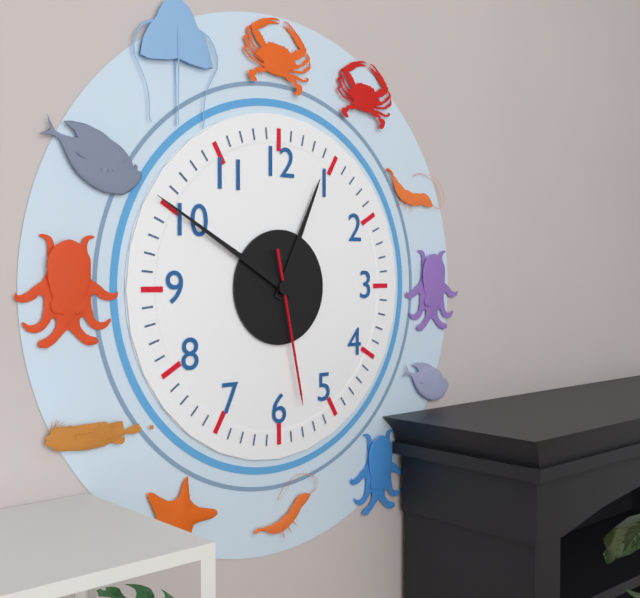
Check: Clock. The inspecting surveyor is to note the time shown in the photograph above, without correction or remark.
12:50:28
